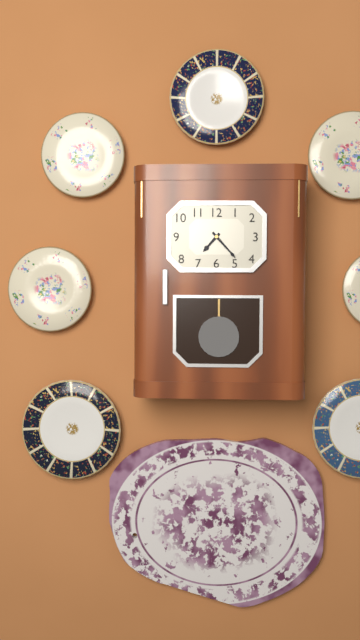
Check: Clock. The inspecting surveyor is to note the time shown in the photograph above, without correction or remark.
7:23
